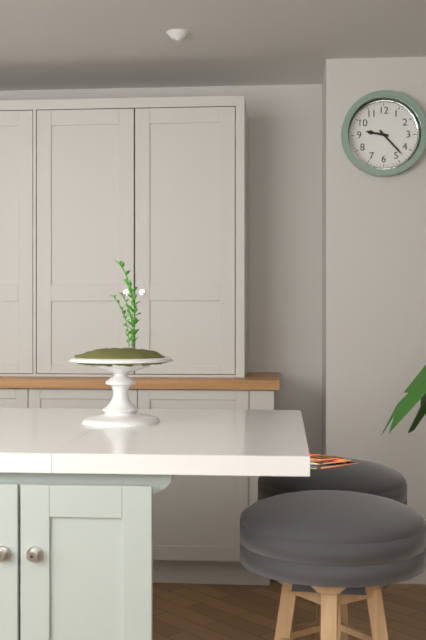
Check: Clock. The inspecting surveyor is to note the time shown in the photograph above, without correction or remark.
9:23
